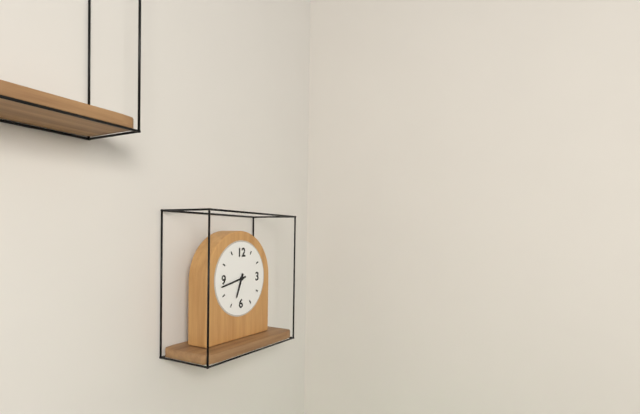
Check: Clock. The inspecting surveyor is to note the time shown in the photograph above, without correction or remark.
6:43
